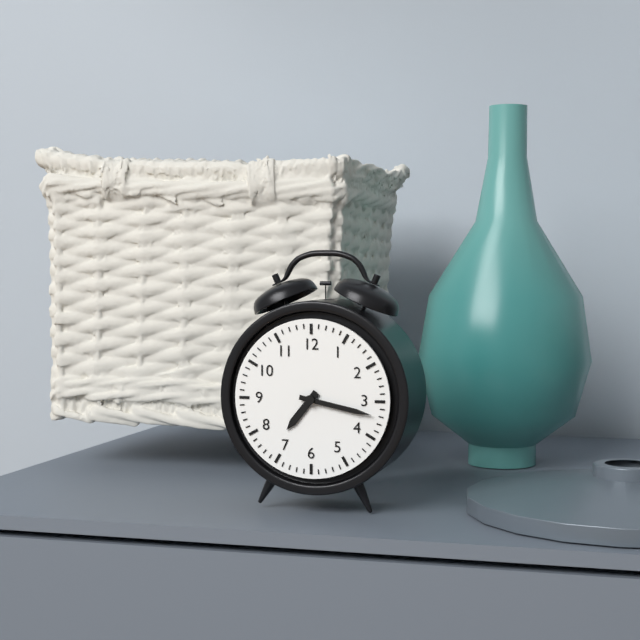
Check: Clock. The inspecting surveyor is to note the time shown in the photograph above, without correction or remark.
7:17
